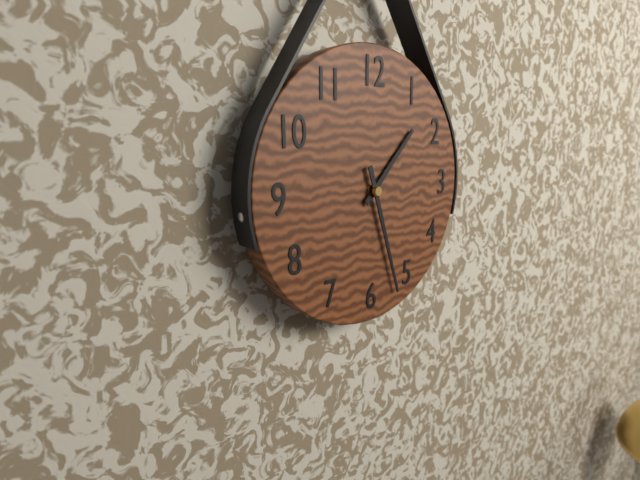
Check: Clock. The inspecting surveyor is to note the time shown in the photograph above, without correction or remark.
1:27
